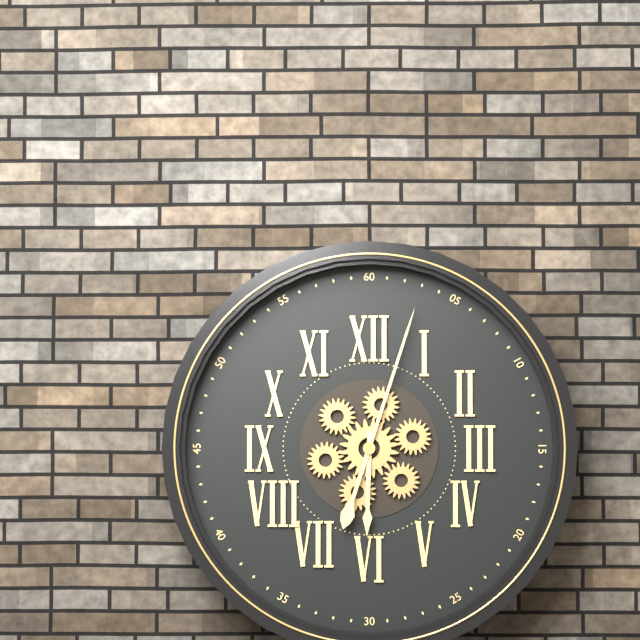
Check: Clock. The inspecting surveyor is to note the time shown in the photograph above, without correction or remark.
6:03
